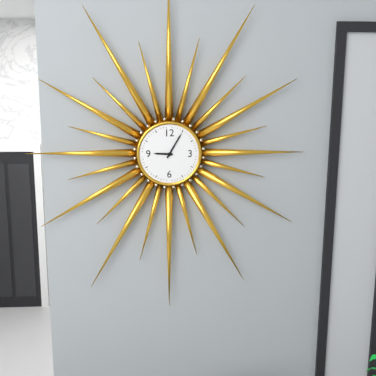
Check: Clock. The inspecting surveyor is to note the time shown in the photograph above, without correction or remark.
9:05
